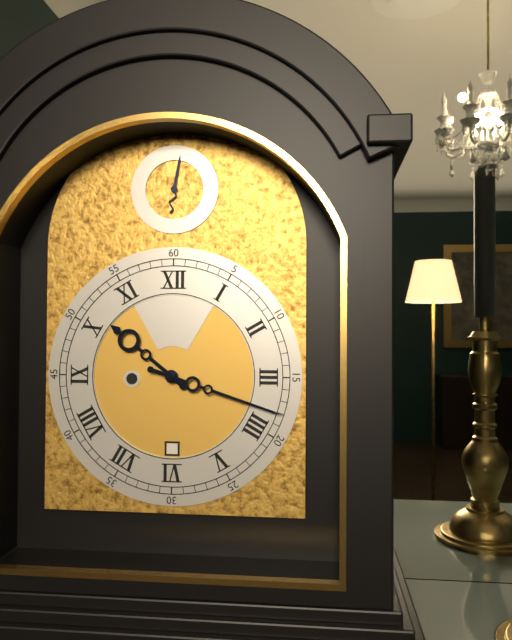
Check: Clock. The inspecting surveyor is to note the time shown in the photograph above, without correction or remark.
10:18
